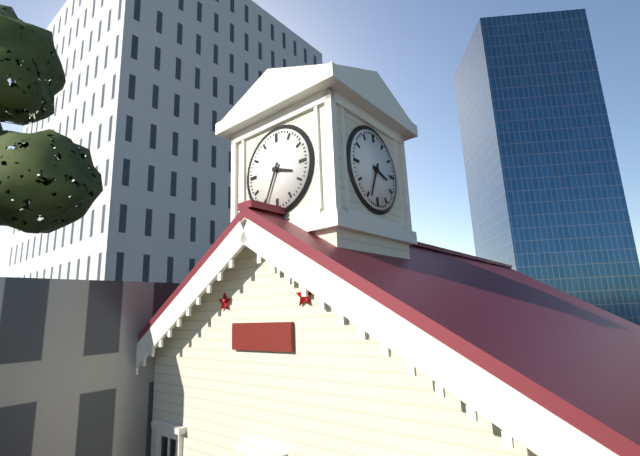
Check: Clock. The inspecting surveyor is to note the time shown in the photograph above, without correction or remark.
3:34
